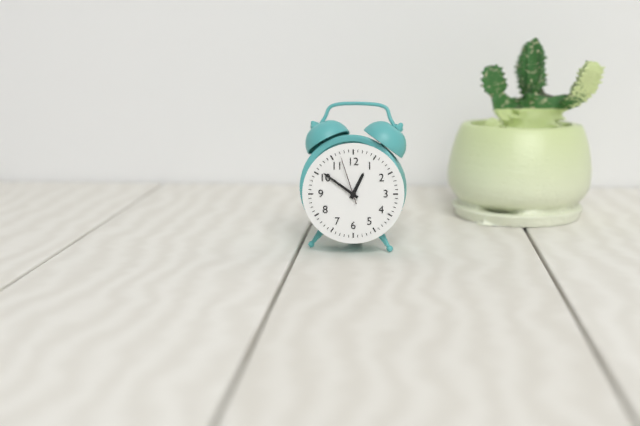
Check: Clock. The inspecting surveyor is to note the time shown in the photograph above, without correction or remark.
12:51:57
